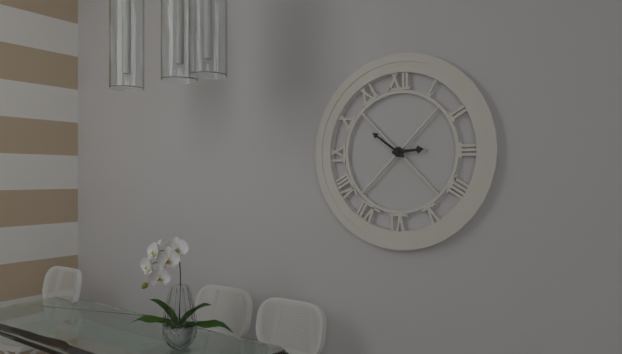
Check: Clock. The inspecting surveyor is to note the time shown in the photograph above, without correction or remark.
2:51
